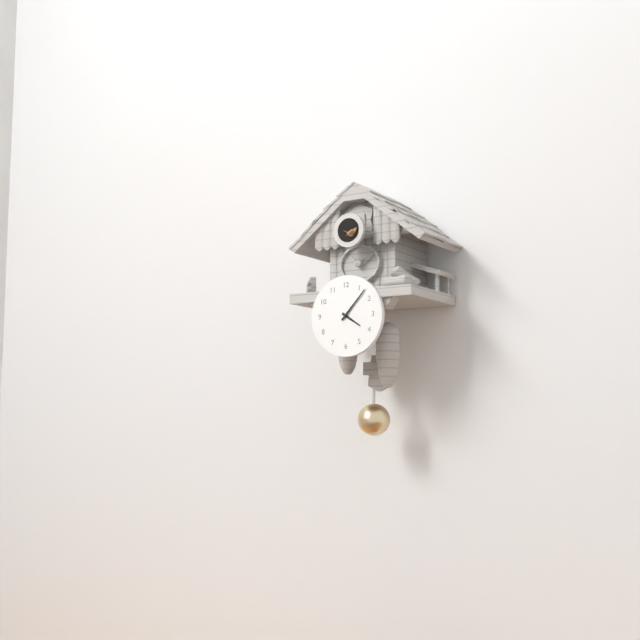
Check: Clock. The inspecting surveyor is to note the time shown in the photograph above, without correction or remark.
4:07
